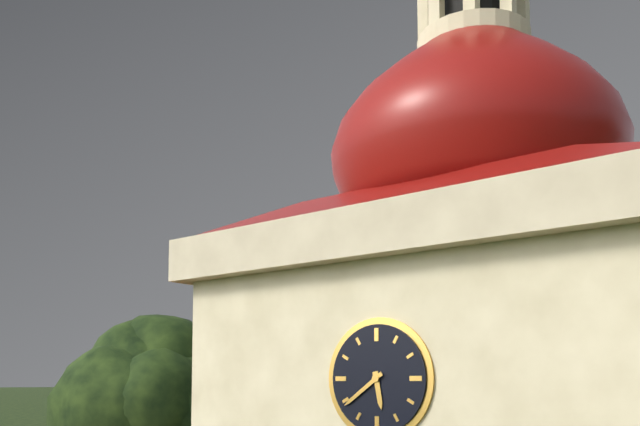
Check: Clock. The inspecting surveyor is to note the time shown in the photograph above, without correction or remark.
5:39
